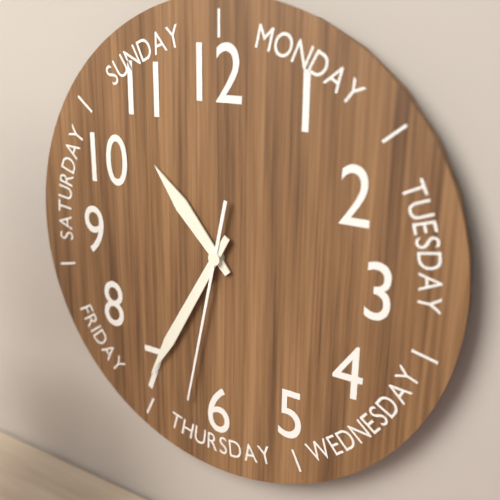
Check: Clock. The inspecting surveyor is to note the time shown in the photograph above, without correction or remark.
10:35:32
